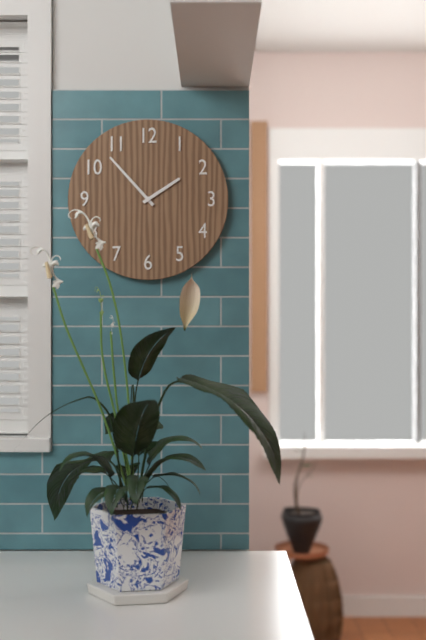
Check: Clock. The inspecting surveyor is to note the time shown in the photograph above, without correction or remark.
1:53
